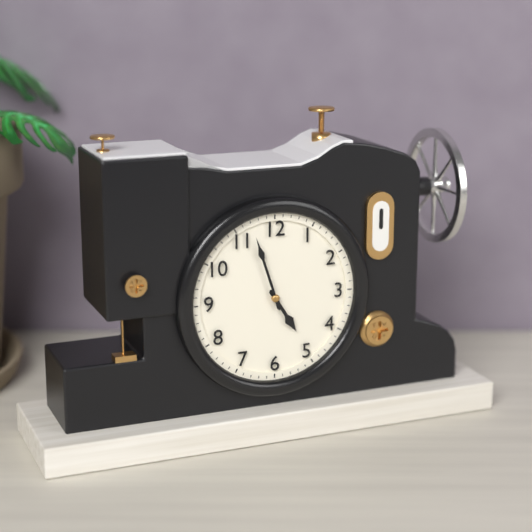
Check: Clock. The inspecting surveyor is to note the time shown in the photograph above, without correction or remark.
4:57
